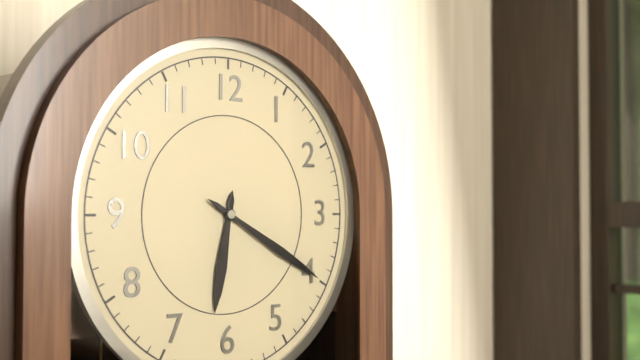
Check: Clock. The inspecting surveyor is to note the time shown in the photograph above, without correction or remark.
6:20
